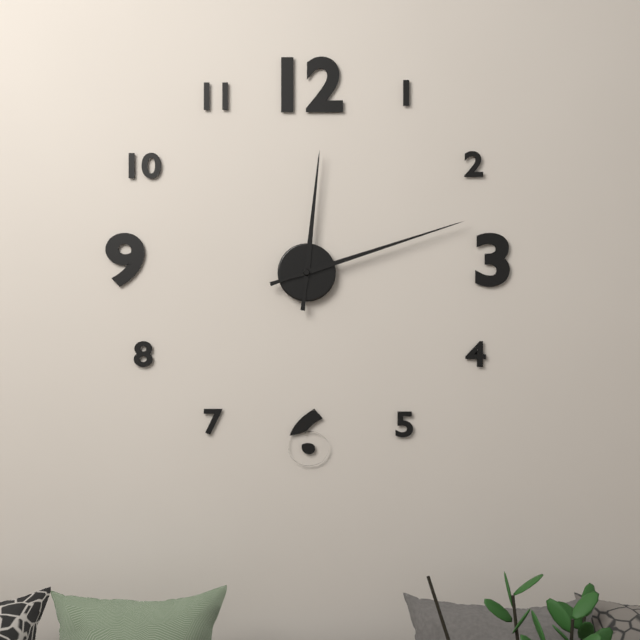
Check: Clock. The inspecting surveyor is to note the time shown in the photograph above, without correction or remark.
12:12
